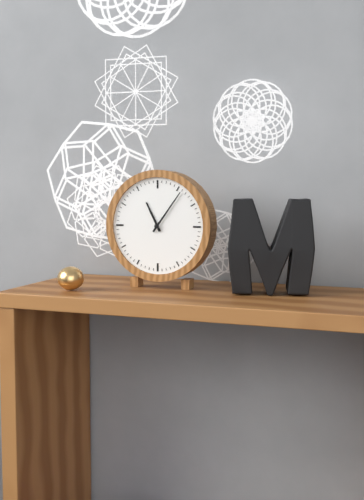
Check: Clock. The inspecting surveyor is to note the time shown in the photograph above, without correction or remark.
11:06
